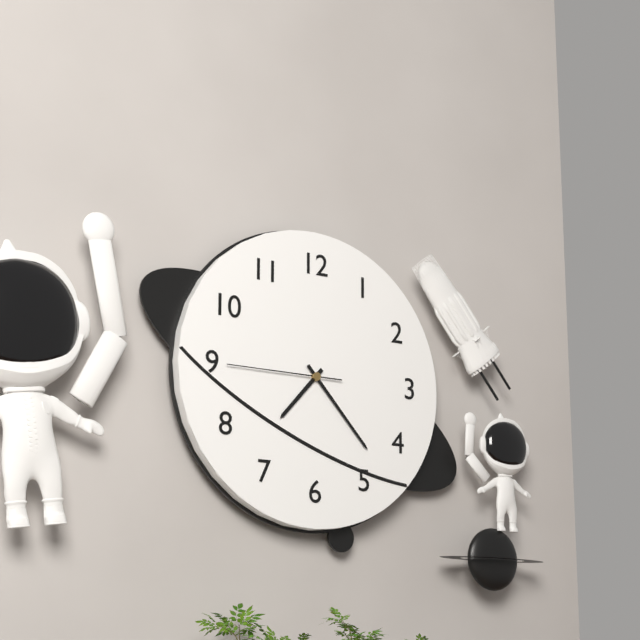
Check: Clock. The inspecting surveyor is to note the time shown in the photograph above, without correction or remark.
7:23:45
